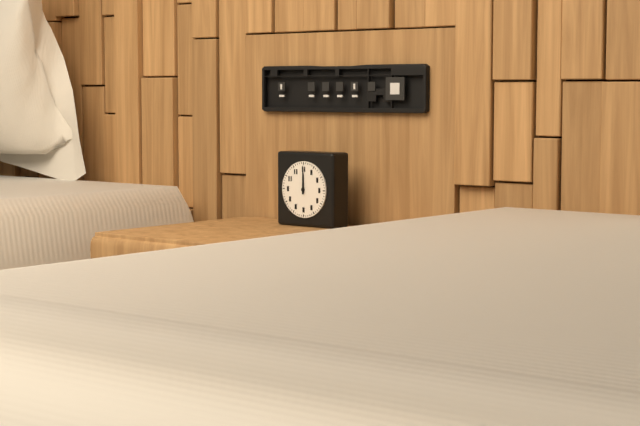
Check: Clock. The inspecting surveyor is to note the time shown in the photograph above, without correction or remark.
12:00
